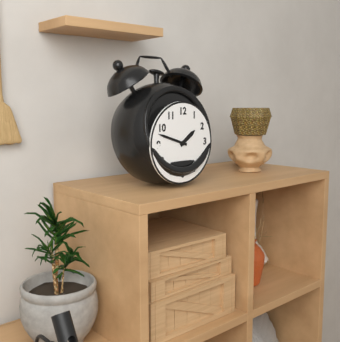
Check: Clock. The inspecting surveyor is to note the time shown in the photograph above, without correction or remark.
1:48
